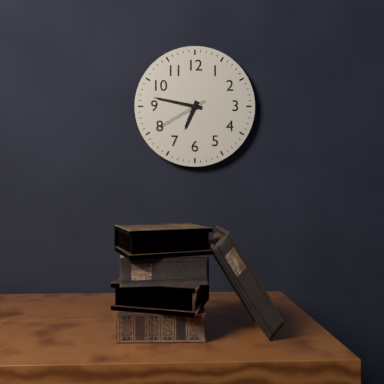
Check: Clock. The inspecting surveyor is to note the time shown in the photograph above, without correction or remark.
6:47:40
